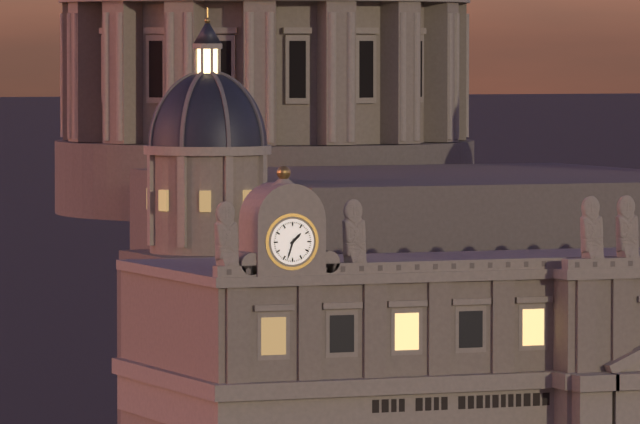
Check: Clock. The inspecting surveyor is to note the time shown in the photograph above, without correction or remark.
1:33
